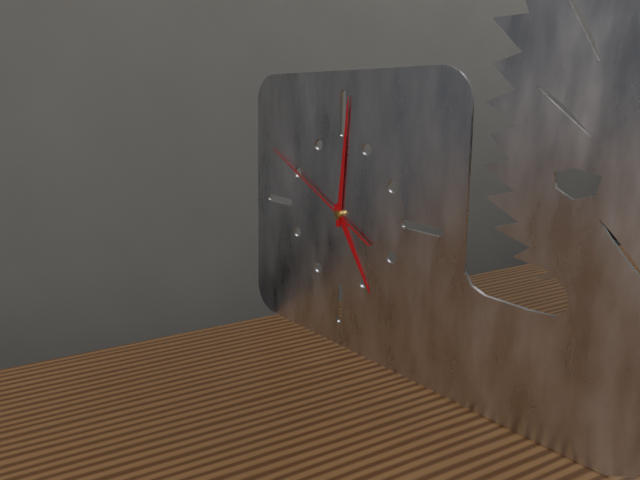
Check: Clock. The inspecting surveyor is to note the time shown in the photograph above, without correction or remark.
5:01:50
